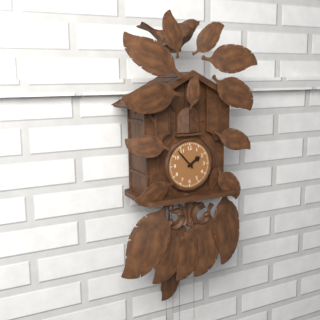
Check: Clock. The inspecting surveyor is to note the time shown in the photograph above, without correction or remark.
1:53
